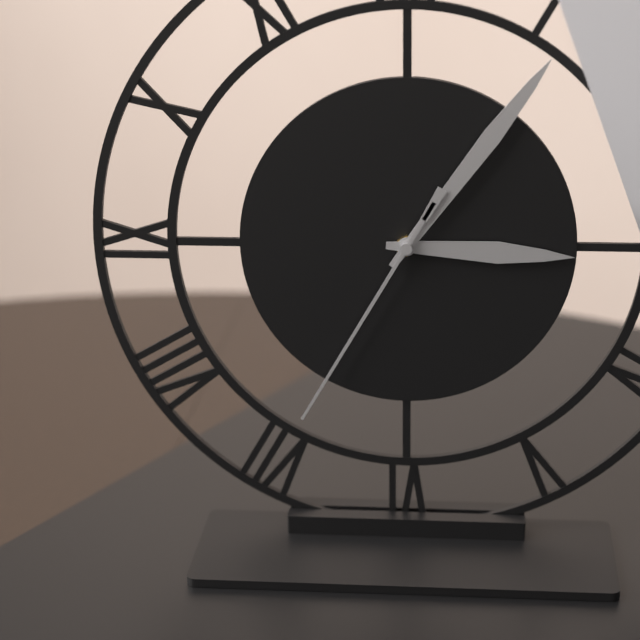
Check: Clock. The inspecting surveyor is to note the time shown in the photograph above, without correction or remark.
3:06:35
